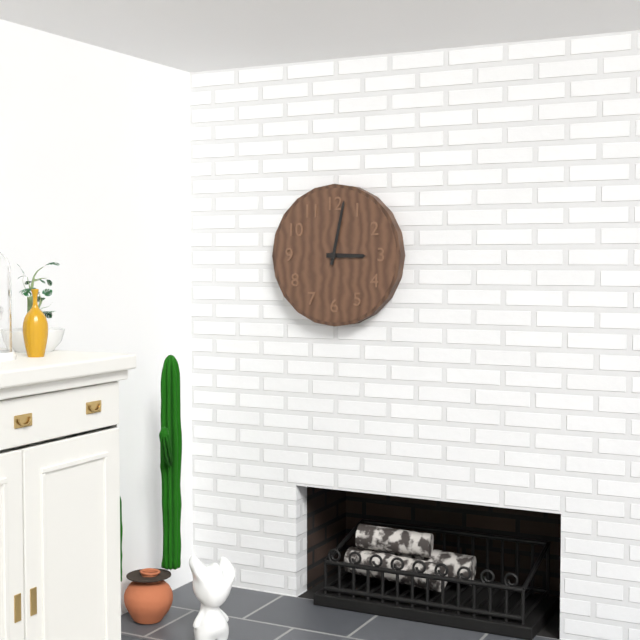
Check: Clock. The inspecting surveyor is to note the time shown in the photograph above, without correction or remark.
3:02
